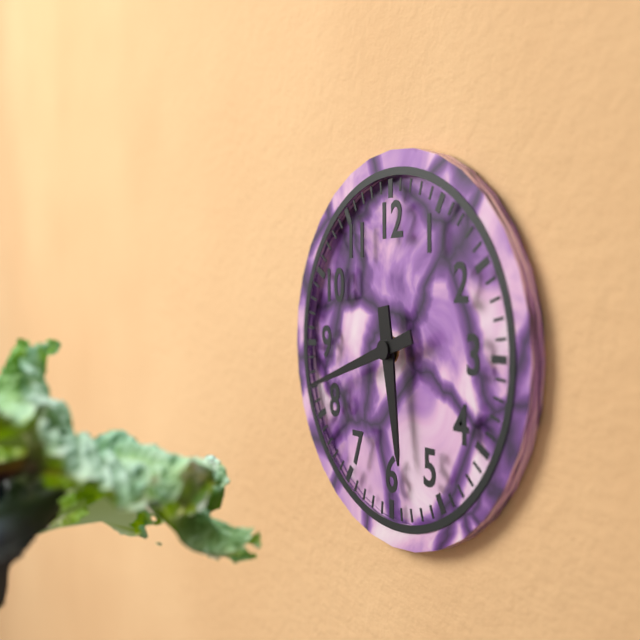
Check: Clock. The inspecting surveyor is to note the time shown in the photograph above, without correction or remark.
5:42
